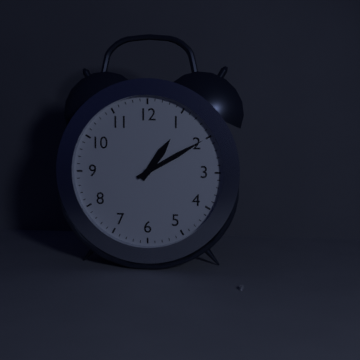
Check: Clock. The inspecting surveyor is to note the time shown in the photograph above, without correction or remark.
1:10
